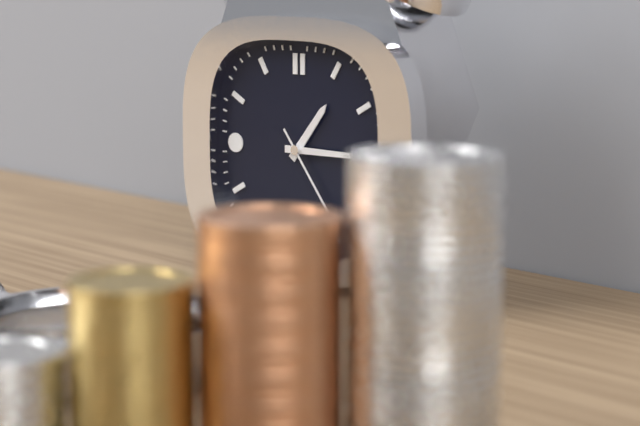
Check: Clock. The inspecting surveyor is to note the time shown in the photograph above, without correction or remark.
1:15:24
